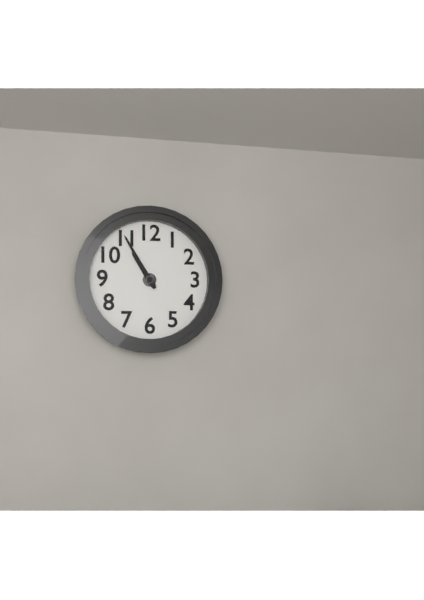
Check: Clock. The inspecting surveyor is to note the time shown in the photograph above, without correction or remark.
10:55
